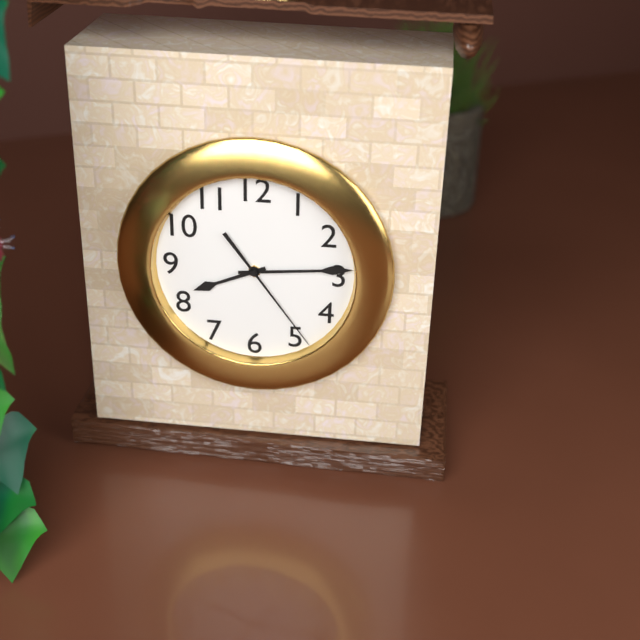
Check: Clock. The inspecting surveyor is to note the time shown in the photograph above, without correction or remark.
8:14:24
